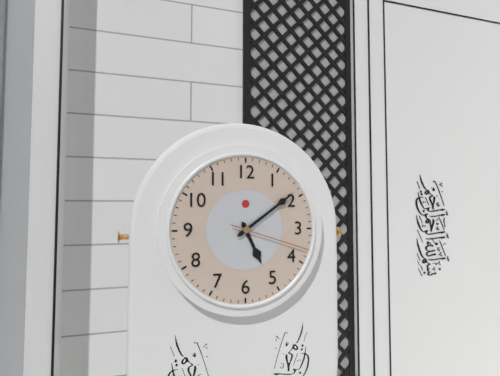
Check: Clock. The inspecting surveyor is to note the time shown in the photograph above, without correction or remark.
5:09:18
